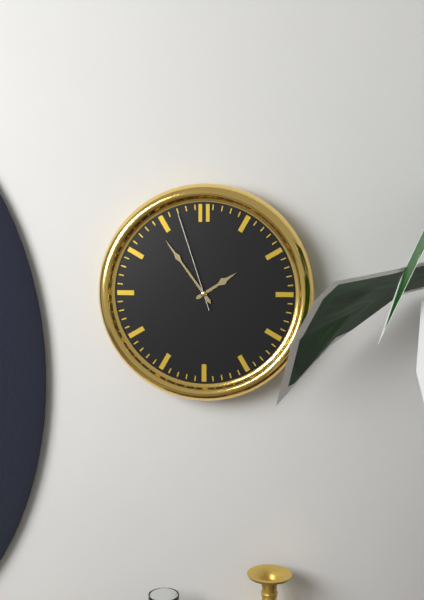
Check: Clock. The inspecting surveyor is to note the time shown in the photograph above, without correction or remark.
1:54:57
